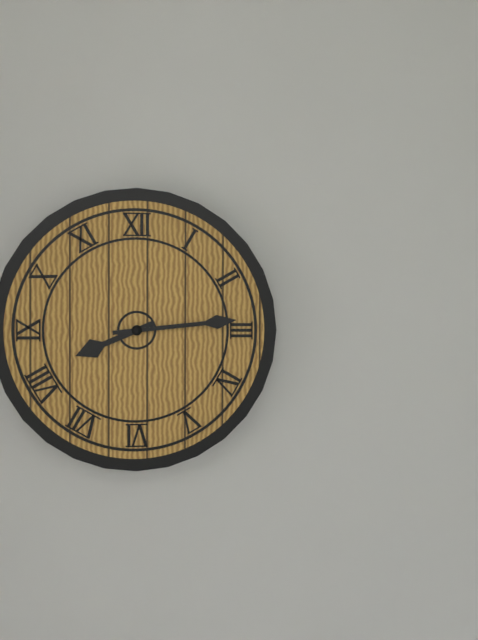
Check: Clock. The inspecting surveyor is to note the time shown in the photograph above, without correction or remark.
8:14
